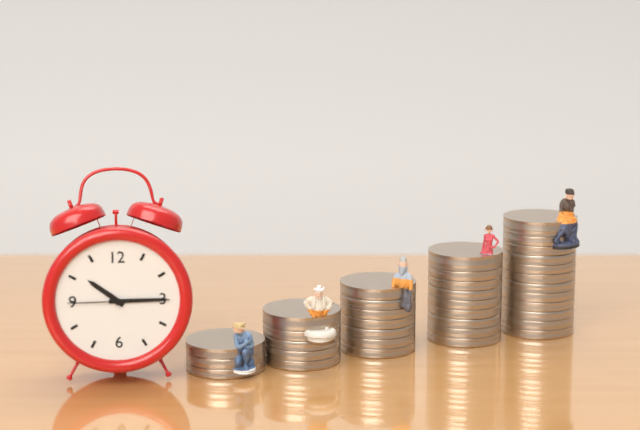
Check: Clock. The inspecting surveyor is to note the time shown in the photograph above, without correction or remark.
10:15:45
